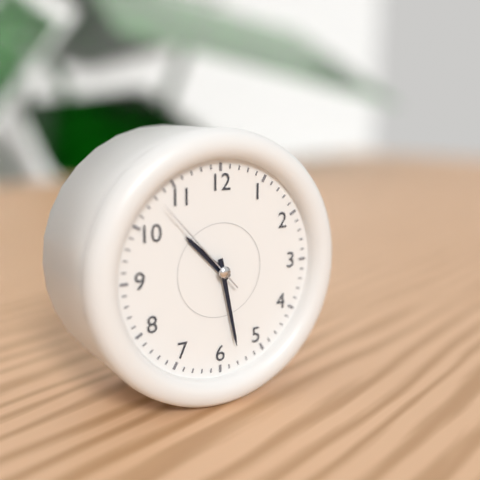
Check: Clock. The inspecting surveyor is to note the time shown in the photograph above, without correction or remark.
10:28:53
